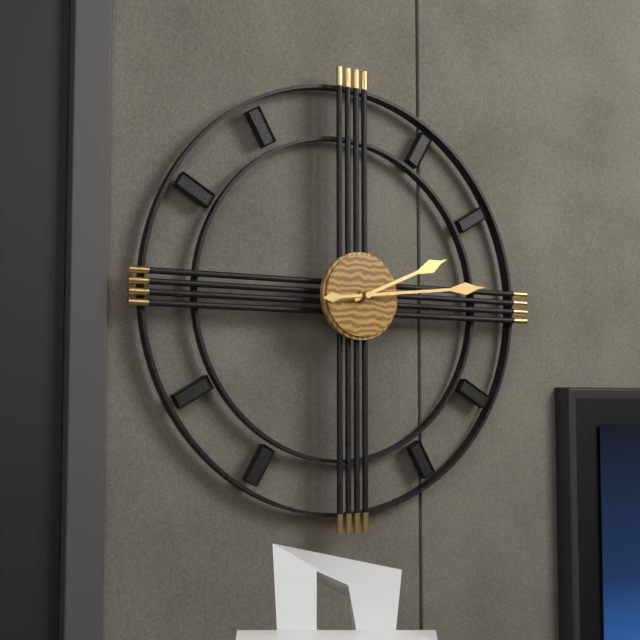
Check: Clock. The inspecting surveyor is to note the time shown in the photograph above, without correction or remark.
2:14
